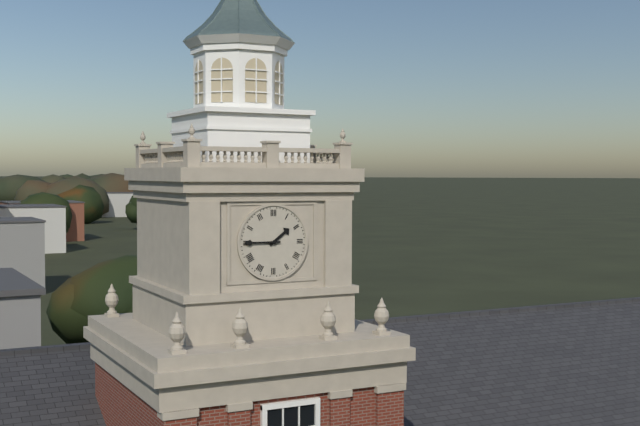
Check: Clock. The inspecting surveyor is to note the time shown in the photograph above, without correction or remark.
1:45
